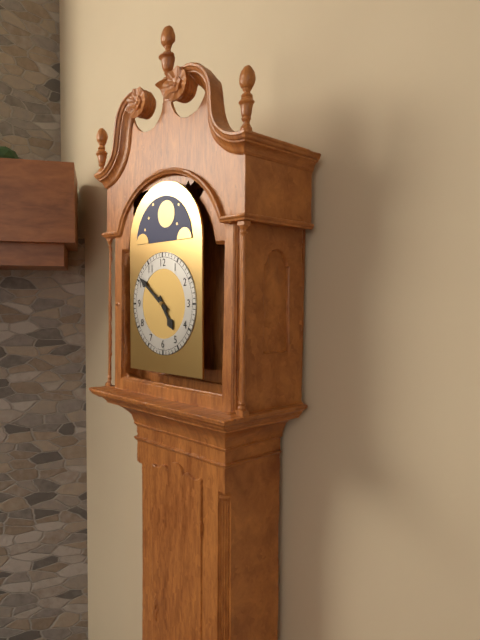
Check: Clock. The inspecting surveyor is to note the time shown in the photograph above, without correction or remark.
4:51
